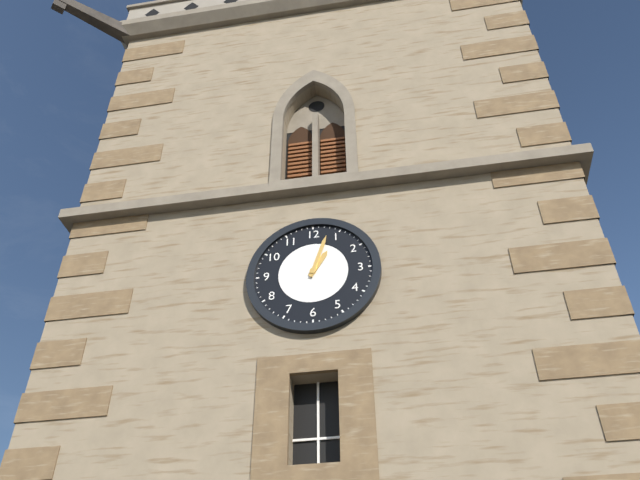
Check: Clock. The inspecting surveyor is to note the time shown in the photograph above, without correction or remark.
1:03
